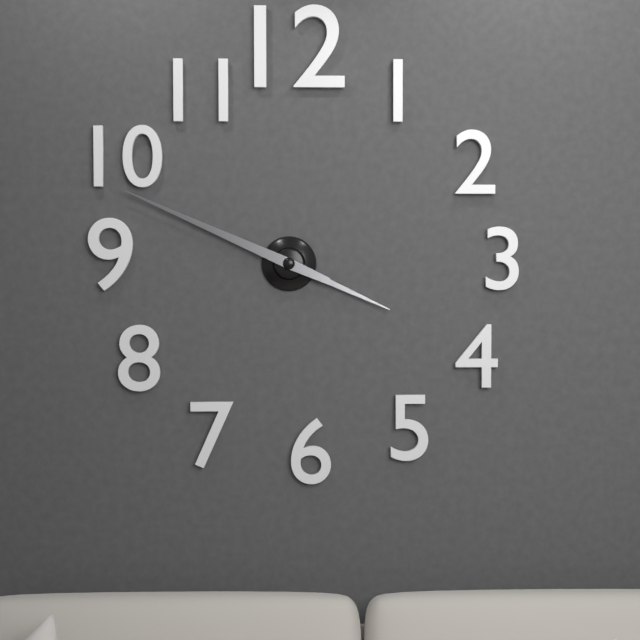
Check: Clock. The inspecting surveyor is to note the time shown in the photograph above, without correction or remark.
3:49
